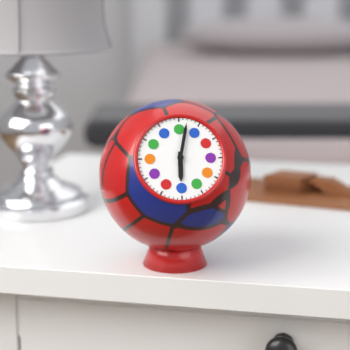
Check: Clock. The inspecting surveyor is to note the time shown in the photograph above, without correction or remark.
6:02
